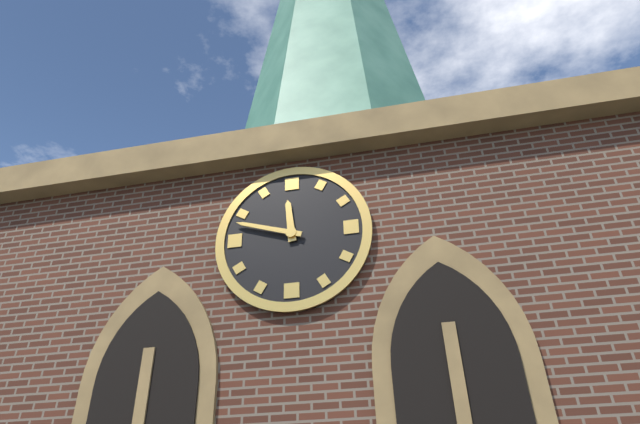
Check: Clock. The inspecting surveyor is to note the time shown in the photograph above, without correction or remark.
11:48
